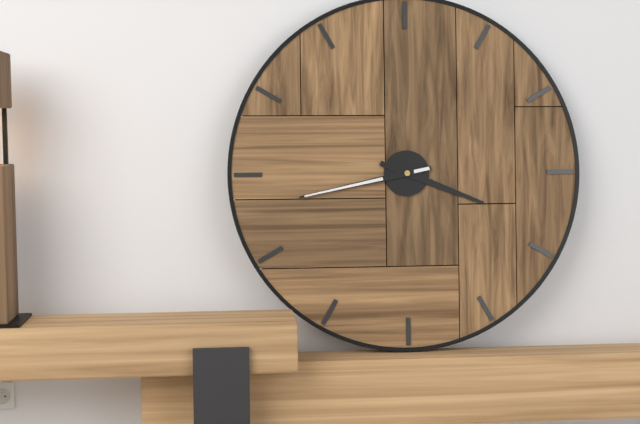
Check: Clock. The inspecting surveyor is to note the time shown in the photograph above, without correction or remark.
3:43
